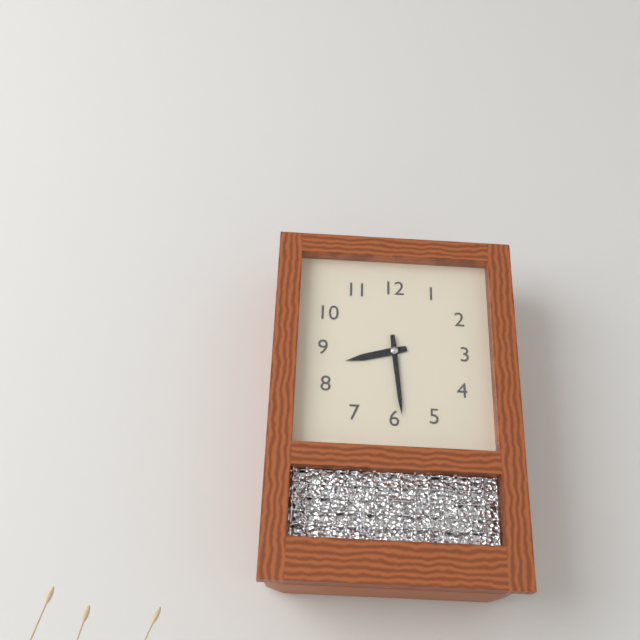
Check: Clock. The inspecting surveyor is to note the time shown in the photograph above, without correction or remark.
8:29
